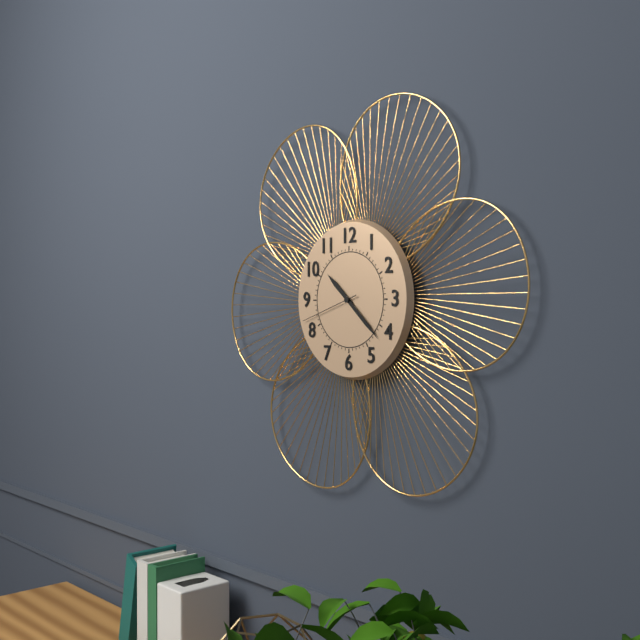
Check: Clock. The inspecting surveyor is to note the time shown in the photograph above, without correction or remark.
10:22:42
